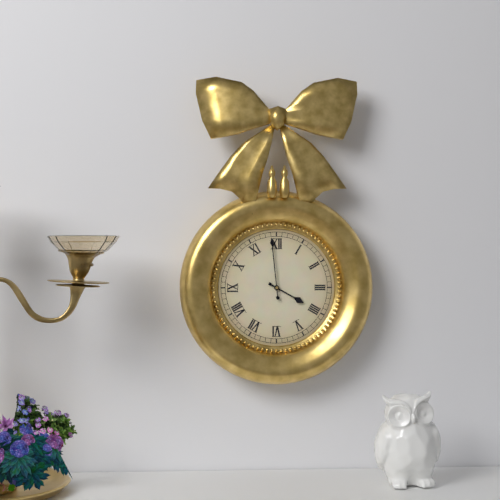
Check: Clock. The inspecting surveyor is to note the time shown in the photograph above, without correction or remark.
3:59
